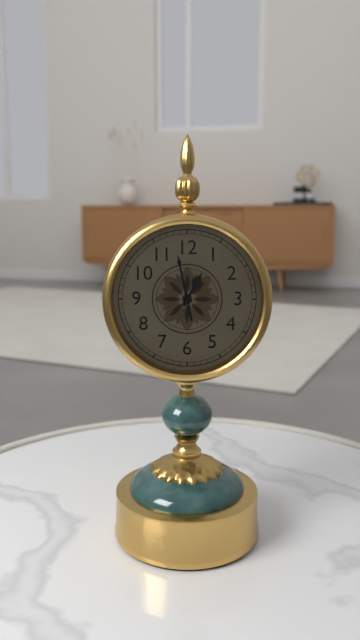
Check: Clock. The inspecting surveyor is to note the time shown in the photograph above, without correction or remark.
12:58
